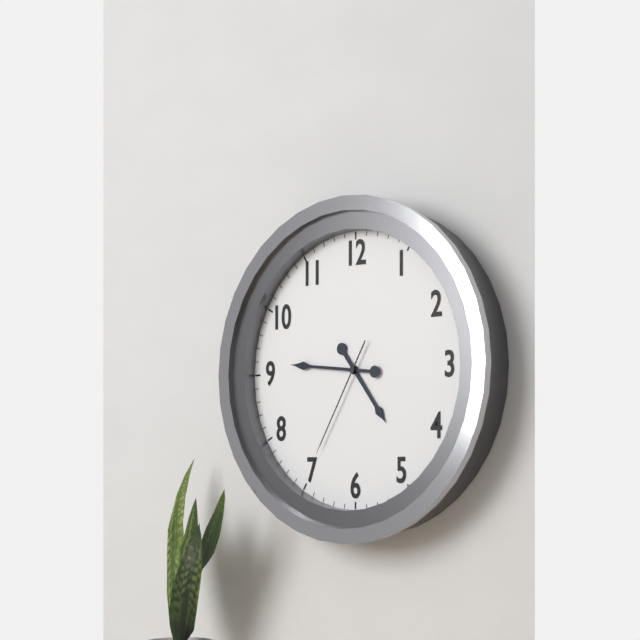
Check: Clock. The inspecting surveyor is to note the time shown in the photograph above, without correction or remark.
4:46:35
